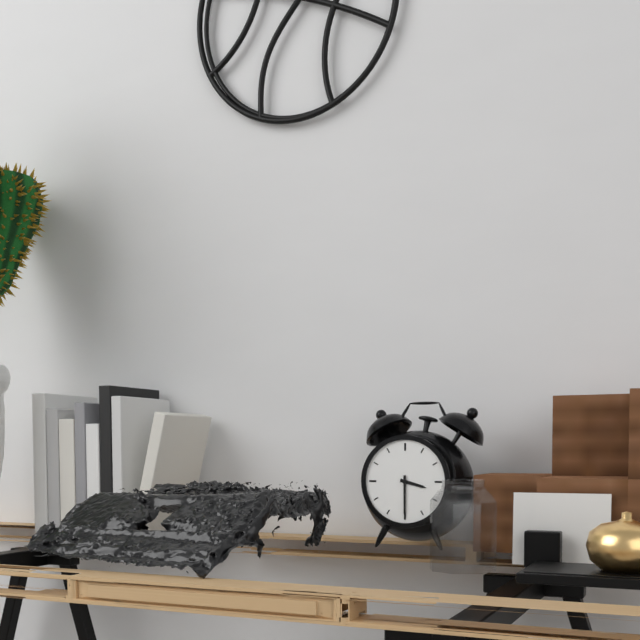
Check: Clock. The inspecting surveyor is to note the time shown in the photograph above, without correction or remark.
3:30
